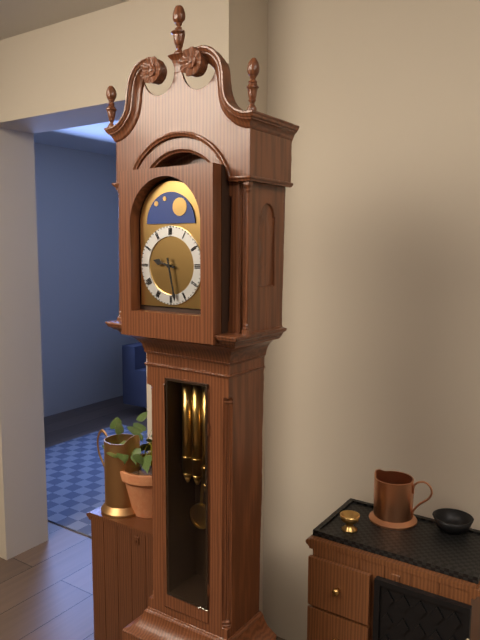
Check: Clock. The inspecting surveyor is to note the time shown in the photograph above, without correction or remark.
9:28
